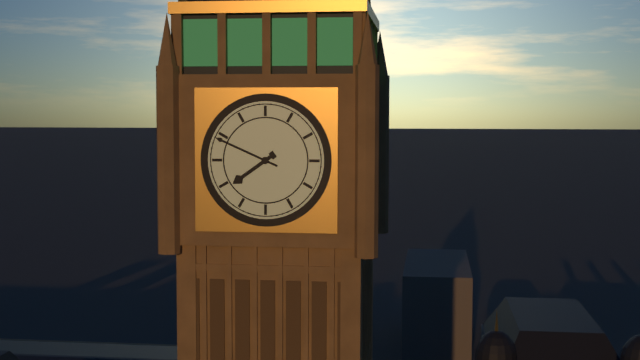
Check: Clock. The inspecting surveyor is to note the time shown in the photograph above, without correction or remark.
7:49
